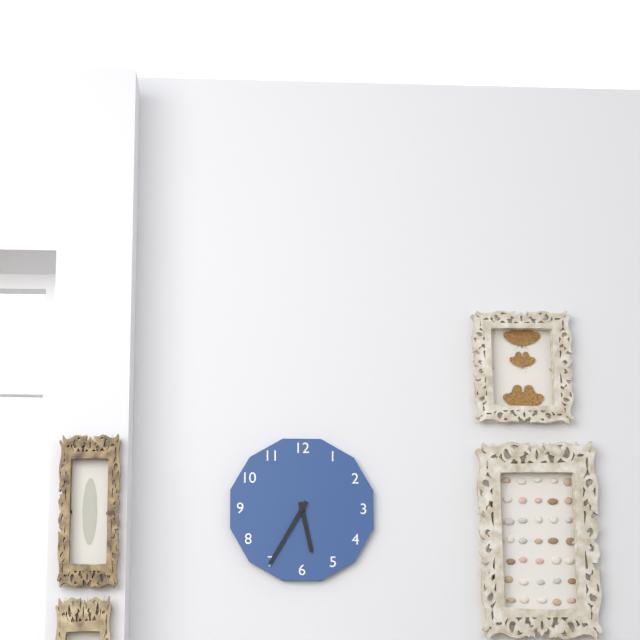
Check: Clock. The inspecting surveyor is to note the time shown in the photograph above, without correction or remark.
5:35
